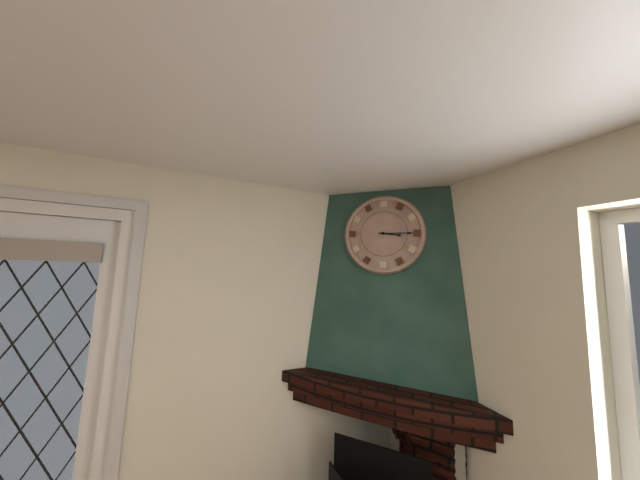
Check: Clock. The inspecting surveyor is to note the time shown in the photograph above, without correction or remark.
3:15
